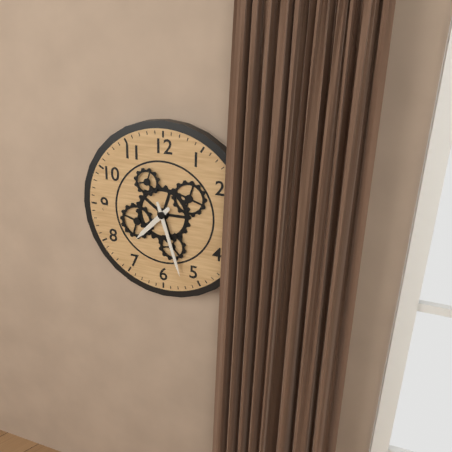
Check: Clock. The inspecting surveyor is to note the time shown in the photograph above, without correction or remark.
7:27
